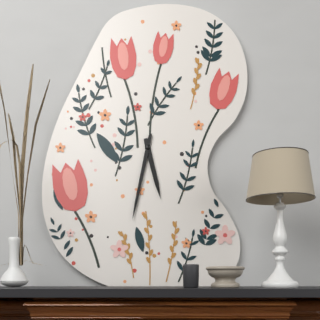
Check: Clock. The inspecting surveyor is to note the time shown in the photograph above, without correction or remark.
5:32
